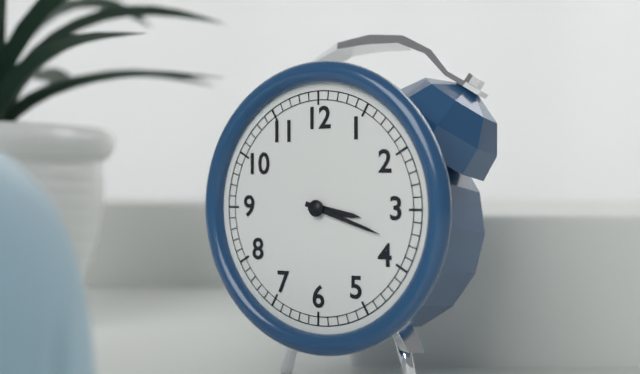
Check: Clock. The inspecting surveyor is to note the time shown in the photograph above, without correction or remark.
3:18
